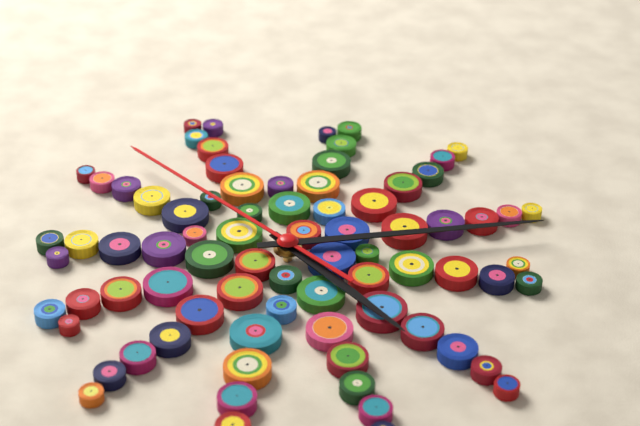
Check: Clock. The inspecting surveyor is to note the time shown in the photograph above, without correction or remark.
4:11:50
